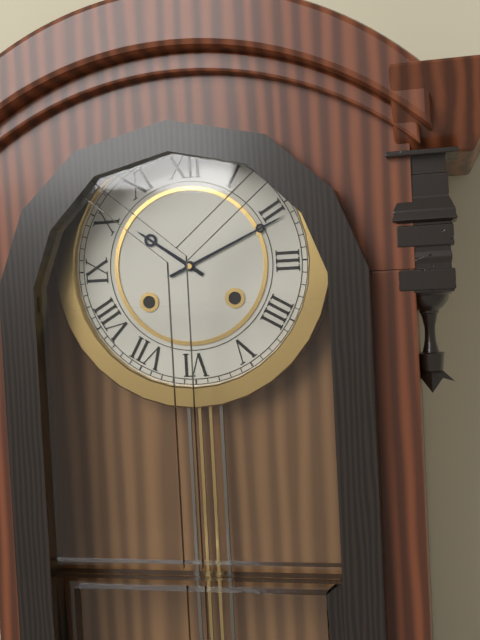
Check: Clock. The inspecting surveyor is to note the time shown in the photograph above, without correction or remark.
10:11
